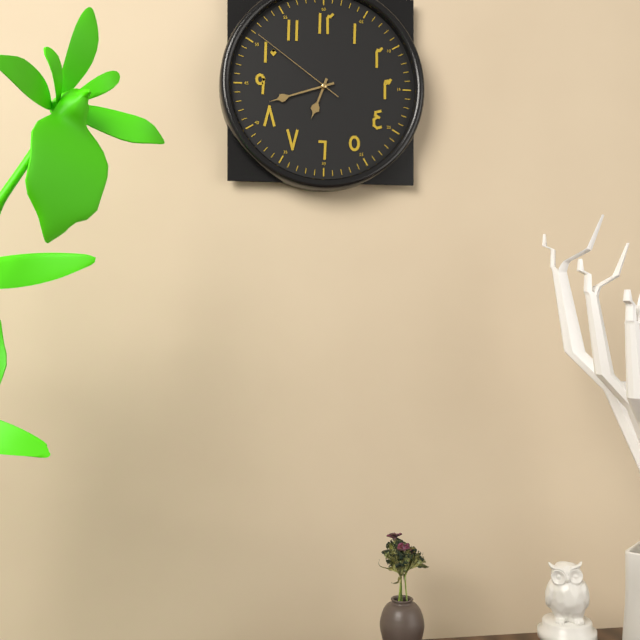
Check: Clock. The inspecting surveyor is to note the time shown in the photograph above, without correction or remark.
6:42:51
